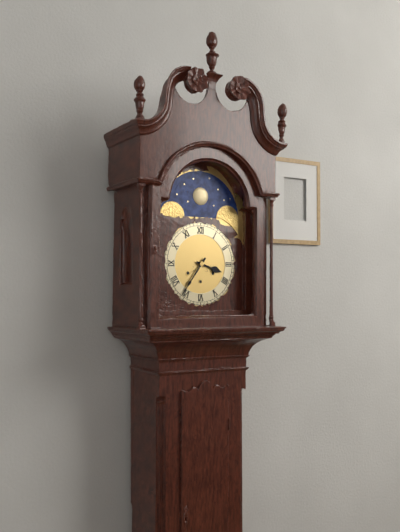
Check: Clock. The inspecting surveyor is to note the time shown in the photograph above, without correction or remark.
3:36
